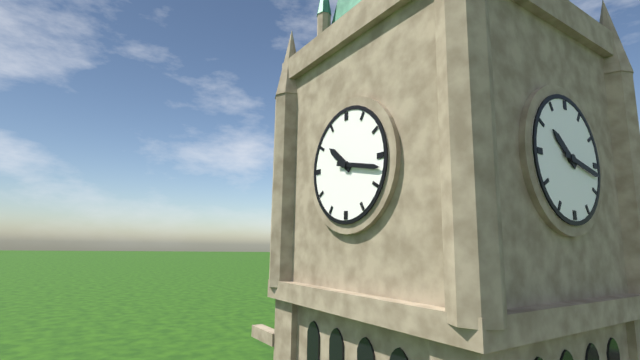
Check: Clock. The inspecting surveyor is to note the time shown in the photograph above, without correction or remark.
10:17
